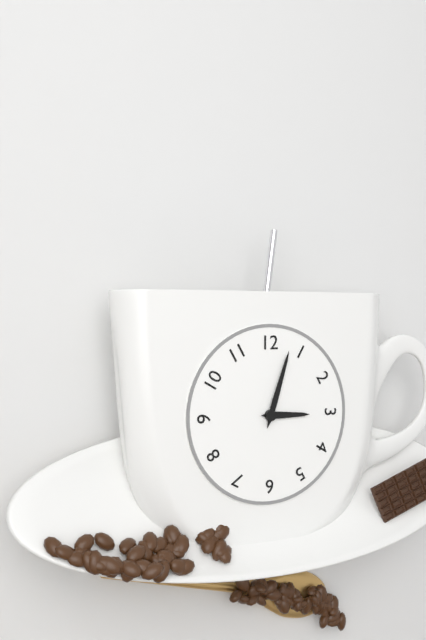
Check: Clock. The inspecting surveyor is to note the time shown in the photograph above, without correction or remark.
3:03
